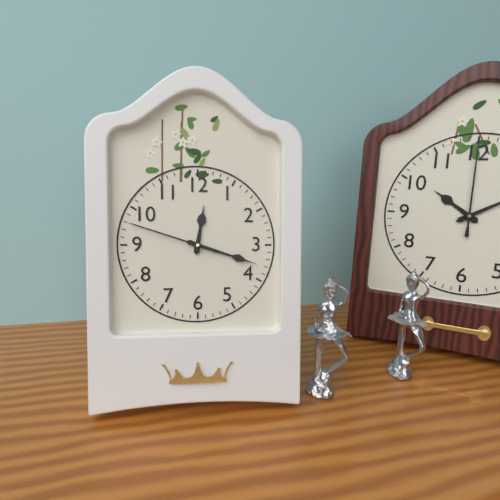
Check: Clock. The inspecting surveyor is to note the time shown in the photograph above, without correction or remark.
12:18:48
